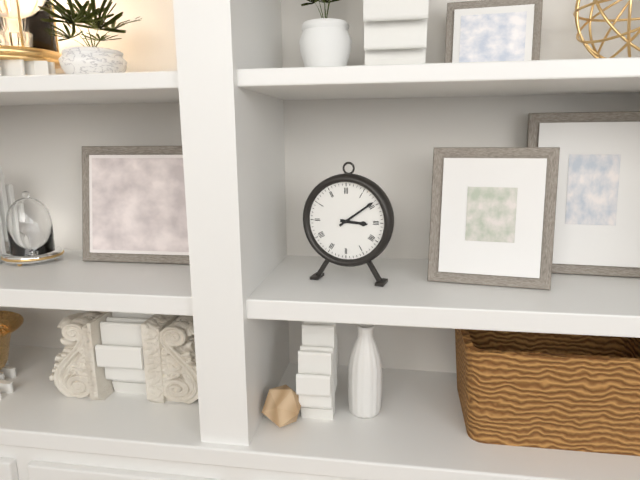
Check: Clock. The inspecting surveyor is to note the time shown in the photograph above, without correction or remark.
3:09
